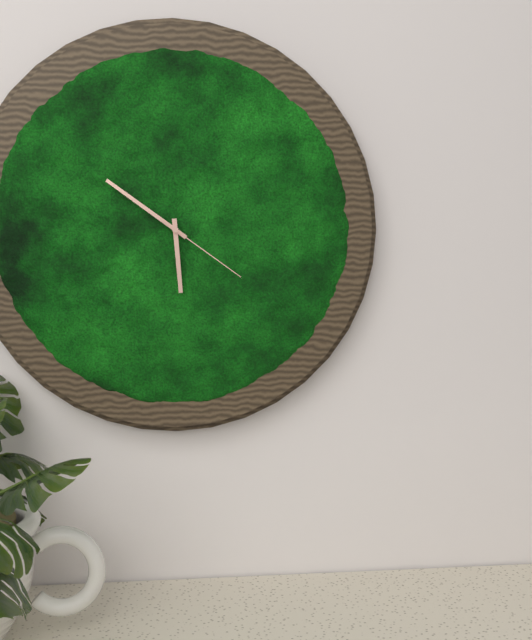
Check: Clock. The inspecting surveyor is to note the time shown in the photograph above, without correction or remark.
5:51:21
